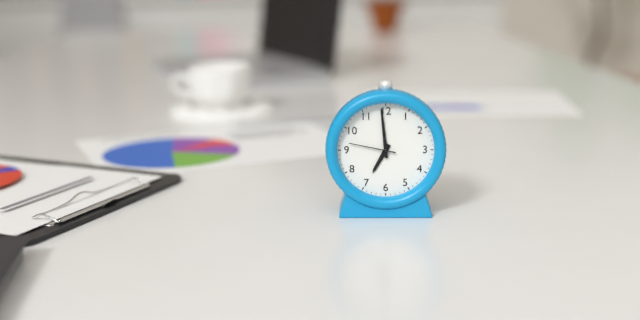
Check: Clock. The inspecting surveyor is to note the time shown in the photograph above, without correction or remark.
6:59
